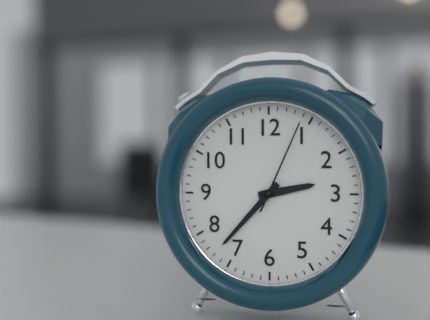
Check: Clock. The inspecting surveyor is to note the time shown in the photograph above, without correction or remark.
2:37:04
